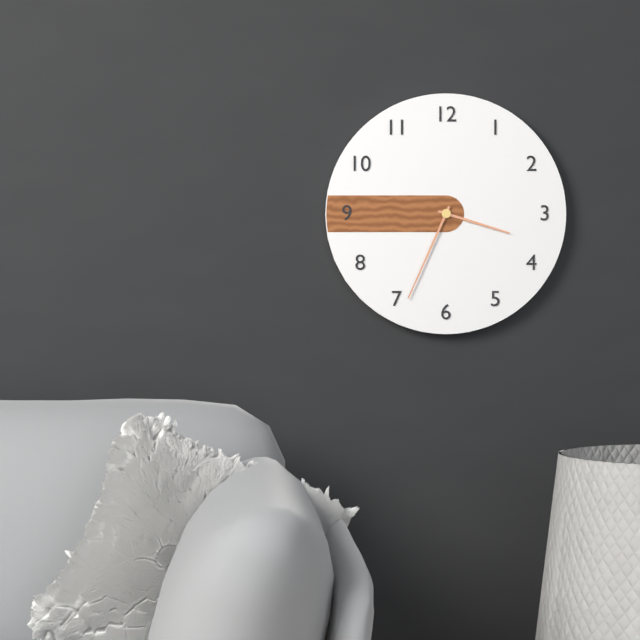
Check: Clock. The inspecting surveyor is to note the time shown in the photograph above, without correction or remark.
3:34
